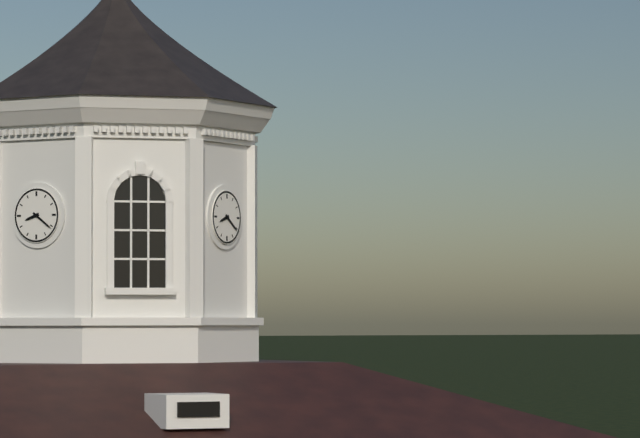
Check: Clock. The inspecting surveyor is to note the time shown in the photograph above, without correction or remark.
8:21
